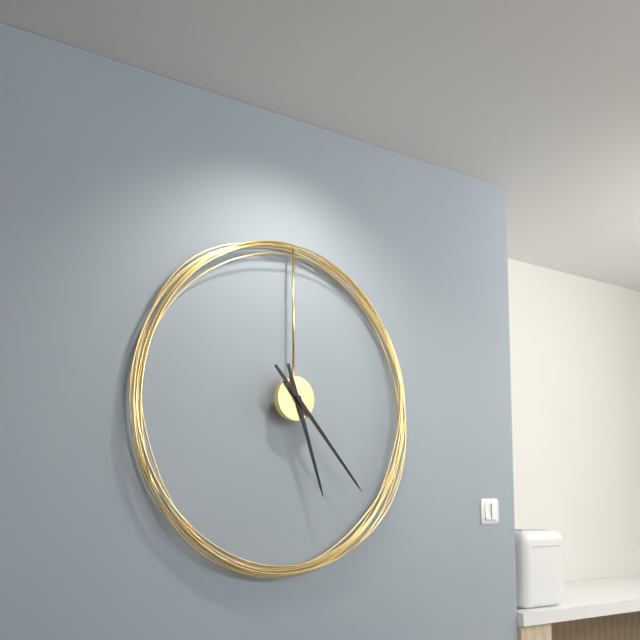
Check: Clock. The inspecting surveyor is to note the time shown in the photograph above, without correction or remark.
5:23
